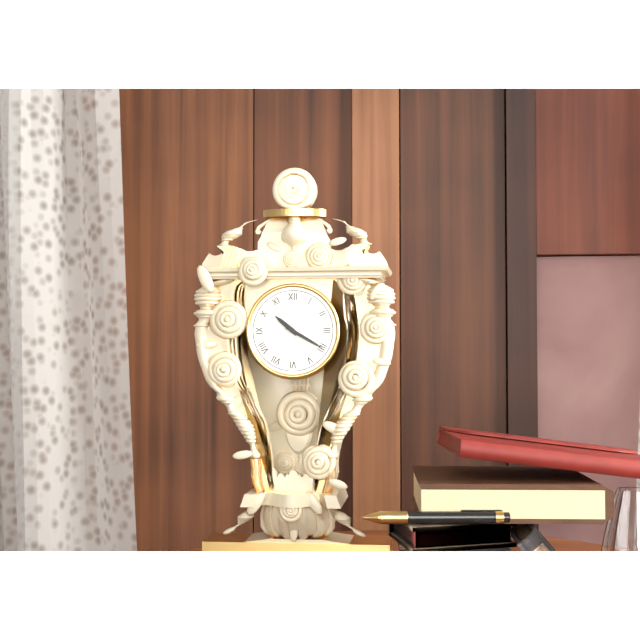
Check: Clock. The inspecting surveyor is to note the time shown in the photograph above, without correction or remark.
10:20
